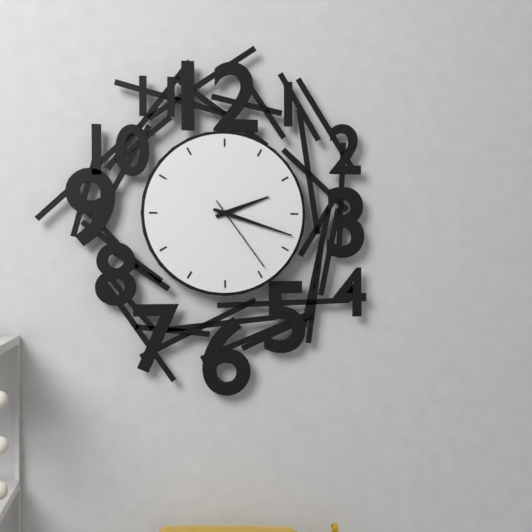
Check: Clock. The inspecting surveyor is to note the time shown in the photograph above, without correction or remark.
2:18:24
